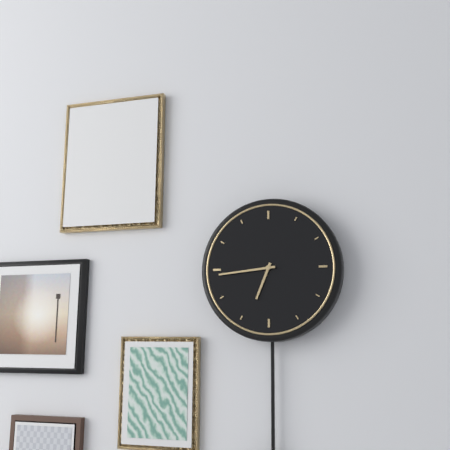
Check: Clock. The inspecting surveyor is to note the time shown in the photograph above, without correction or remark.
6:44
